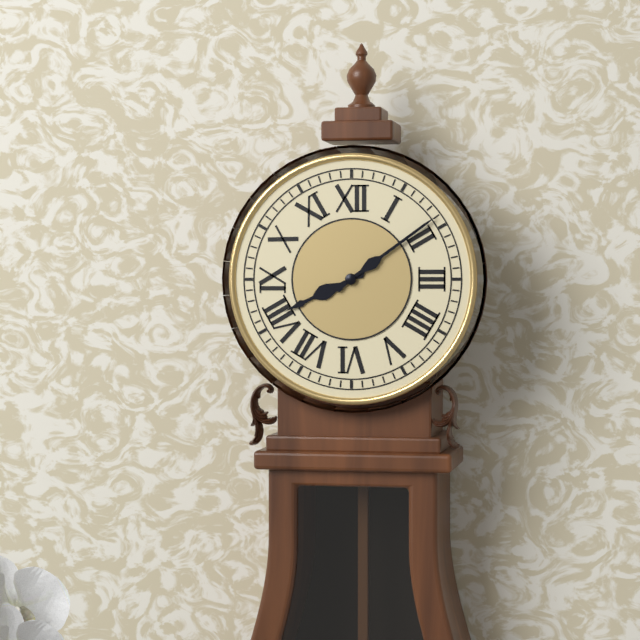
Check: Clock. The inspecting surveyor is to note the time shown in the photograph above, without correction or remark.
8:09
